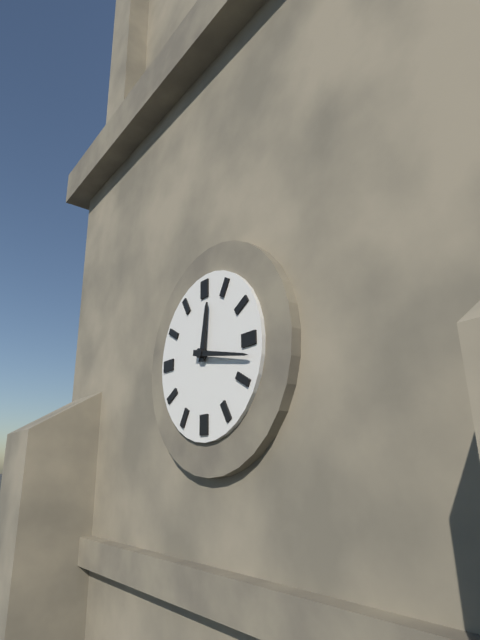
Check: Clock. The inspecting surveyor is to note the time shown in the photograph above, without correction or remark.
12:17
